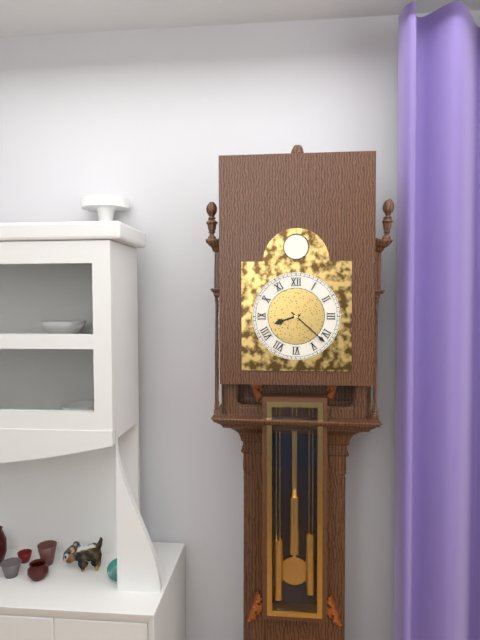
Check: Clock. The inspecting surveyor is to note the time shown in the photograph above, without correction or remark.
8:22
